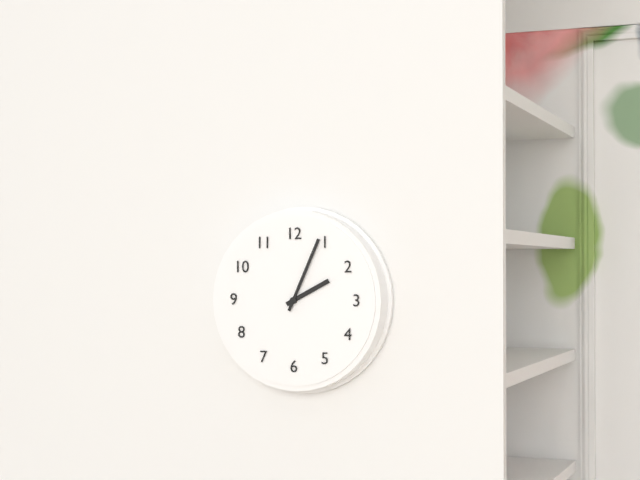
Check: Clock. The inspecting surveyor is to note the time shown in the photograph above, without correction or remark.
2:04
